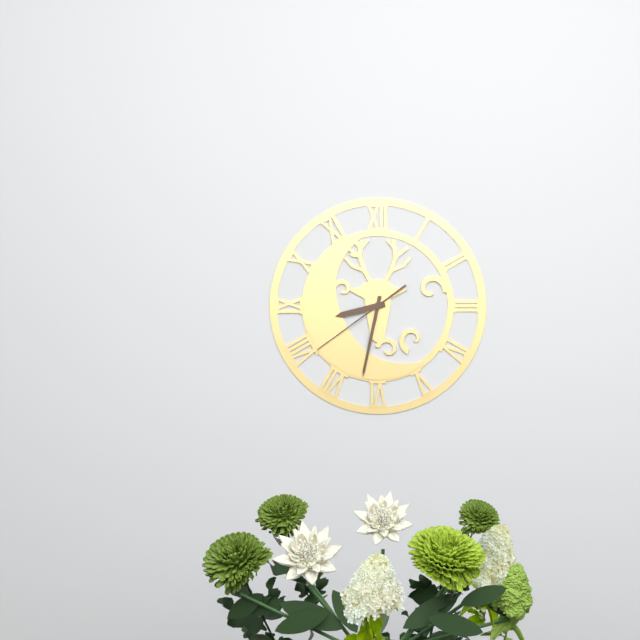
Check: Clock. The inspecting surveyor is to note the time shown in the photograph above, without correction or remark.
8:32:39
